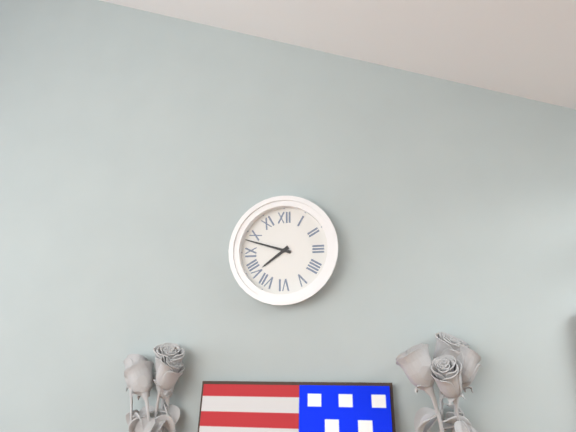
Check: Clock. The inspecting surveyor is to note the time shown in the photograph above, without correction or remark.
7:48
